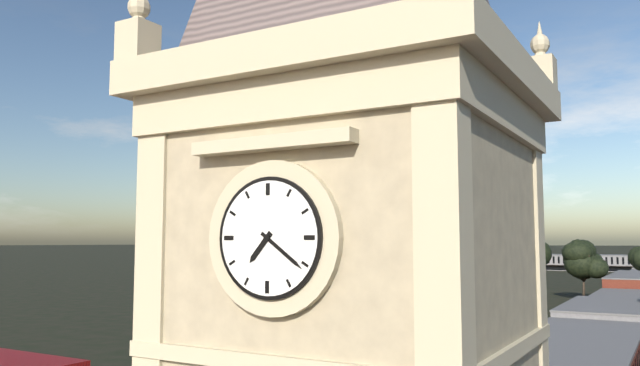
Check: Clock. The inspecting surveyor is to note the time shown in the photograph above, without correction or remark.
7:21
